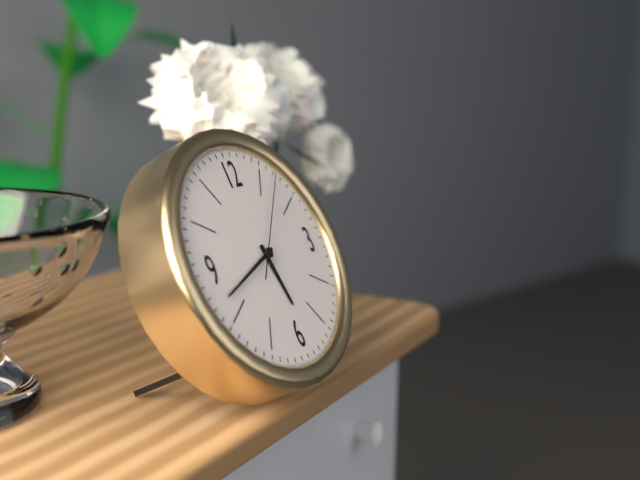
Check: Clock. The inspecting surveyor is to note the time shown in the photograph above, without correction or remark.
5:42:07
